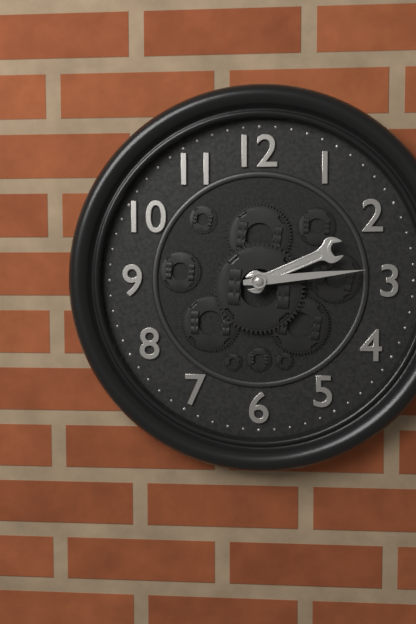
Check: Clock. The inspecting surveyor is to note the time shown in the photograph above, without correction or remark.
2:14
